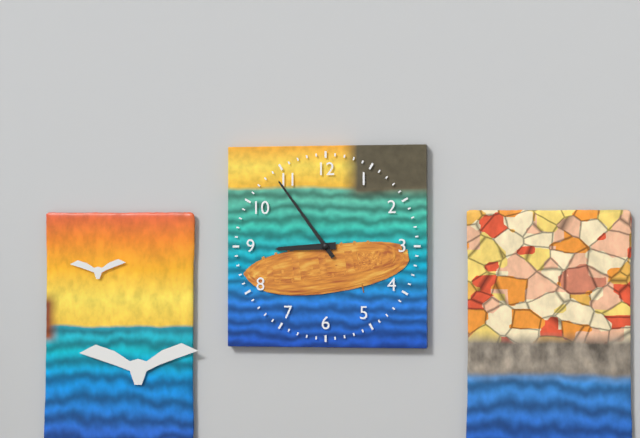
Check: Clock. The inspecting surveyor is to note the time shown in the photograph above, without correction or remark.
8:54
